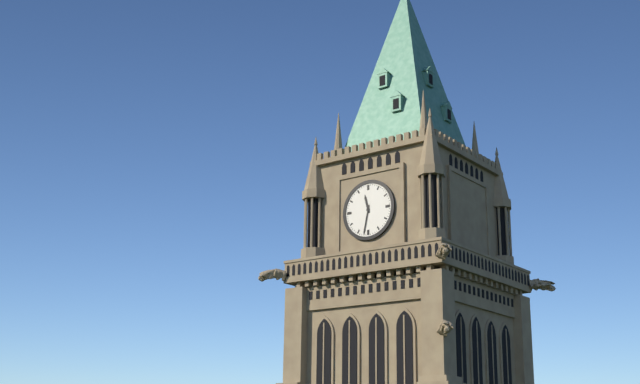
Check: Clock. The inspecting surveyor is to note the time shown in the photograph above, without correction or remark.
11:32
